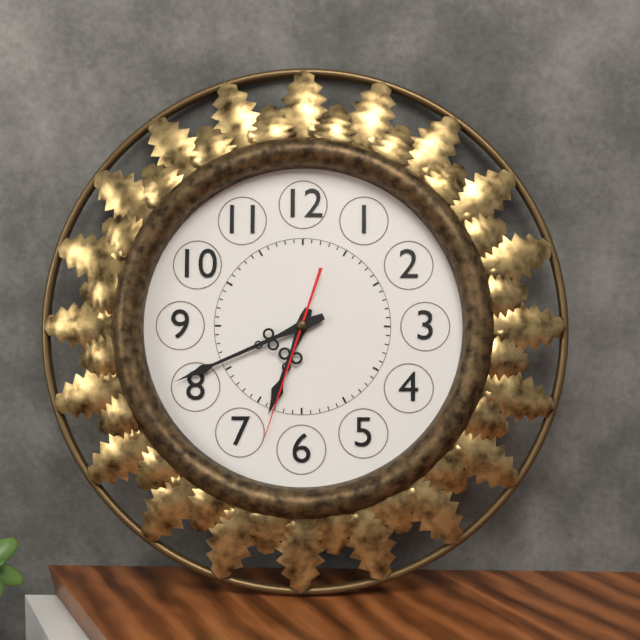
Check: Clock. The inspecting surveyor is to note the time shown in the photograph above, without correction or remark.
6:41:33
